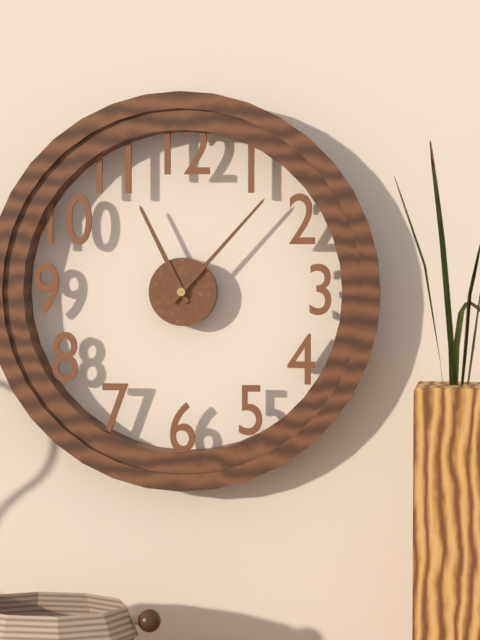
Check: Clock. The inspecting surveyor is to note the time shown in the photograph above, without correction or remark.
11:07
